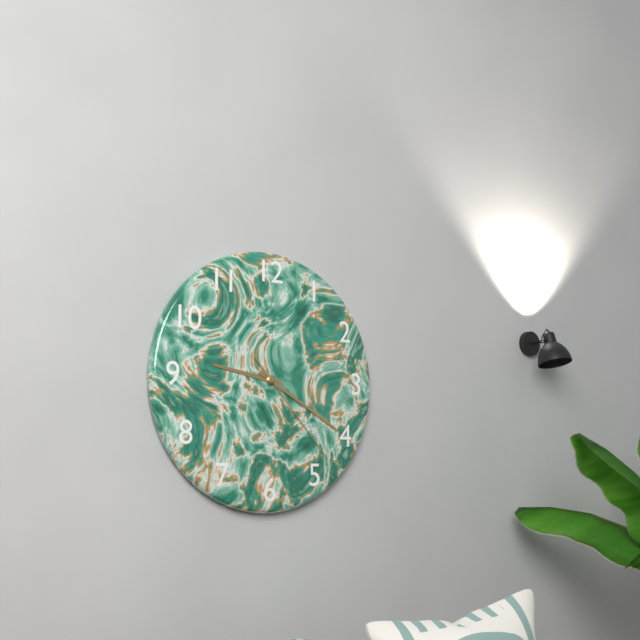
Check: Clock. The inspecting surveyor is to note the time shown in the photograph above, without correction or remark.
9:20:23
